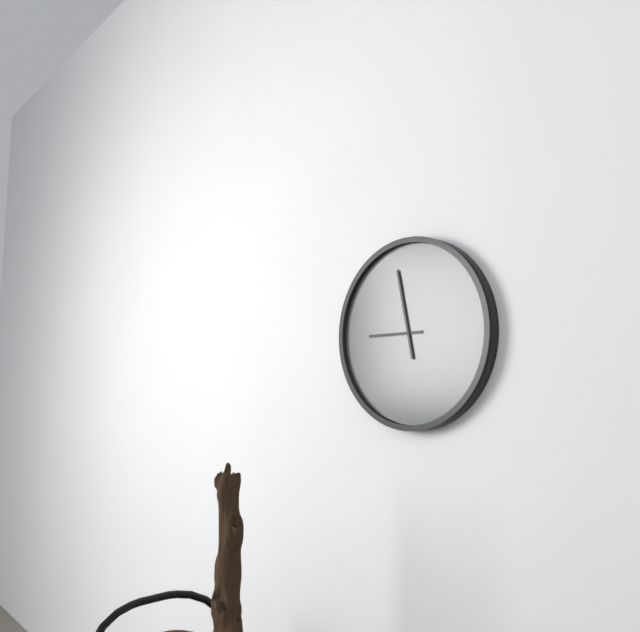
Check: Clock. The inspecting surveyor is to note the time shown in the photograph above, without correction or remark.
8:58
